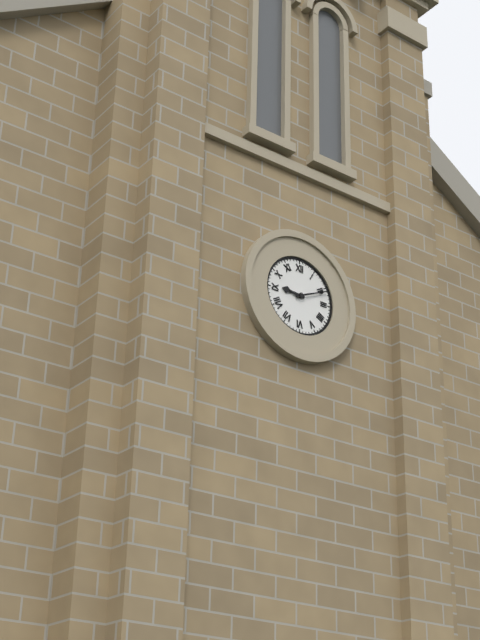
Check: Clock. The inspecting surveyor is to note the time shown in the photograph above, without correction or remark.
9:11
